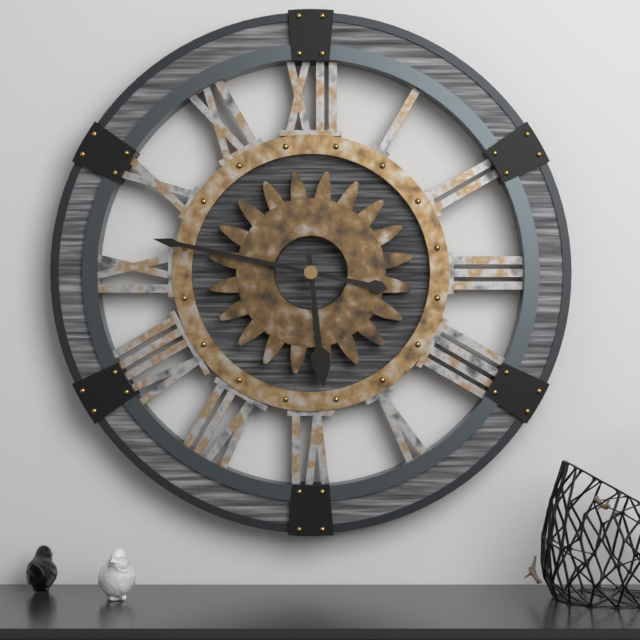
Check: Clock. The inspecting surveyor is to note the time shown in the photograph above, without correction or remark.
5:47
